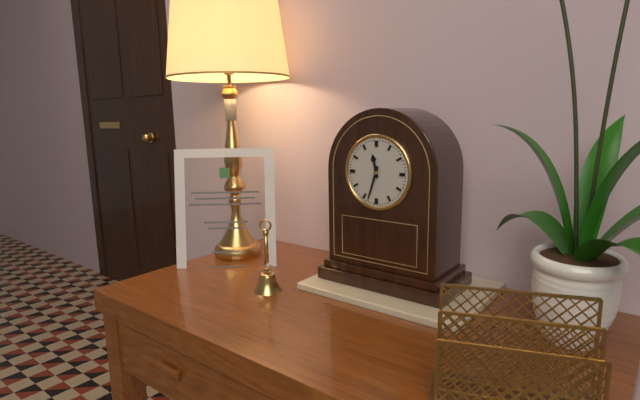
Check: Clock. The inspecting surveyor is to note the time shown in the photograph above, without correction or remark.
11:33
